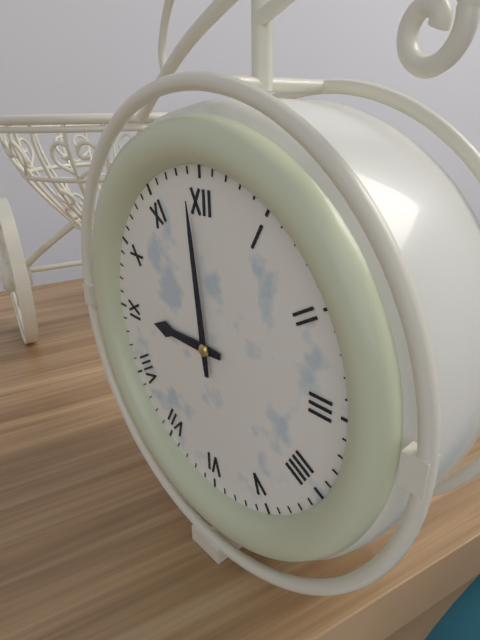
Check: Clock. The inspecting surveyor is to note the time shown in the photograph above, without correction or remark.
8:59
